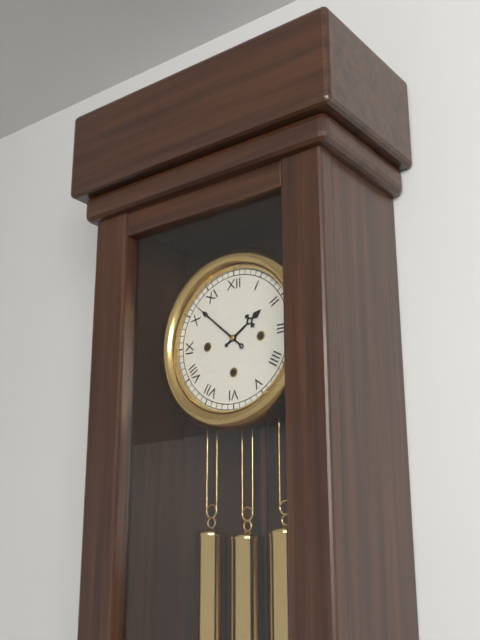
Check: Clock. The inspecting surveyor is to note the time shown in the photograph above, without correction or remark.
1:52
